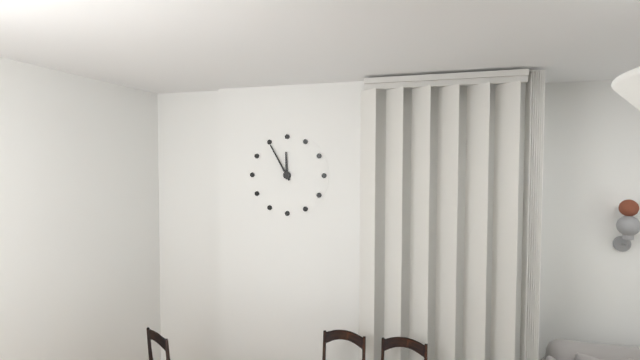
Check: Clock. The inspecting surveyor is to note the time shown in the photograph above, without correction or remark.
11:55
